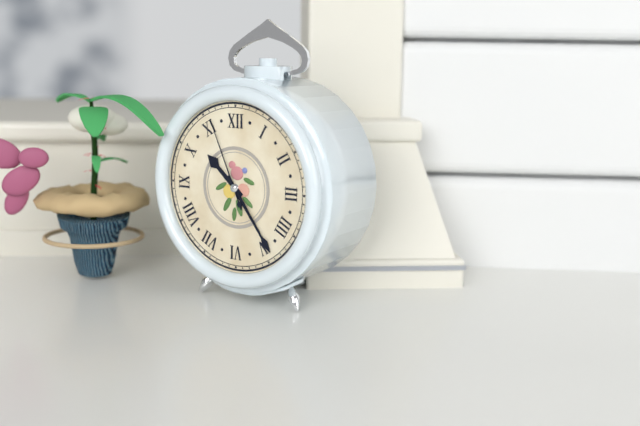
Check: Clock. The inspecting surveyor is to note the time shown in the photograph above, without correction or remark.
10:24:56
